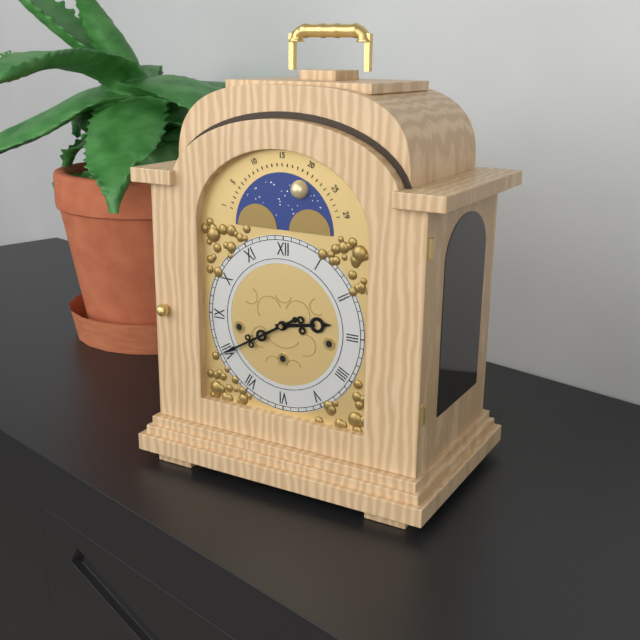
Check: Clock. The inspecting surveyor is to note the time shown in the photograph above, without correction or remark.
2:40
